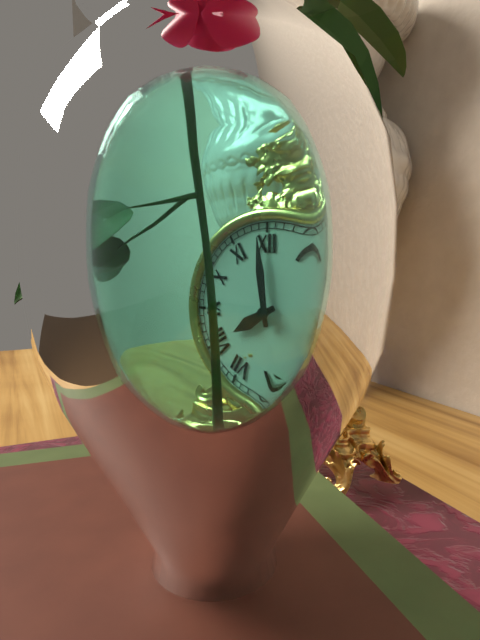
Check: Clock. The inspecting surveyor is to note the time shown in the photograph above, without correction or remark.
7:59
